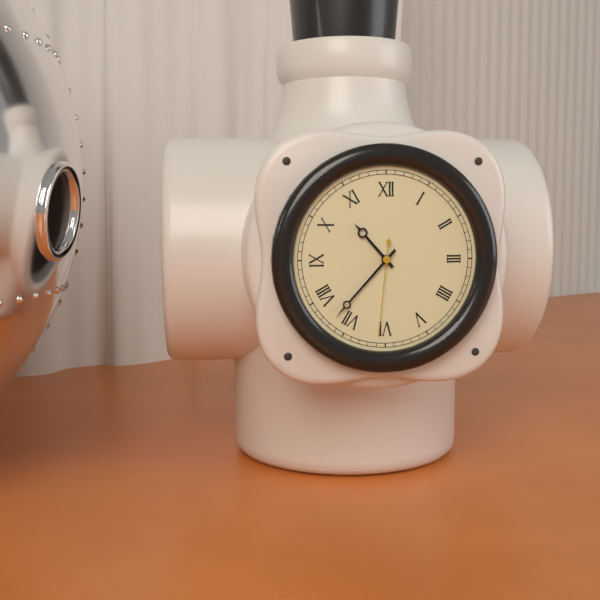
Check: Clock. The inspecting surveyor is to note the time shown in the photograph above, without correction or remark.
10:37:31
